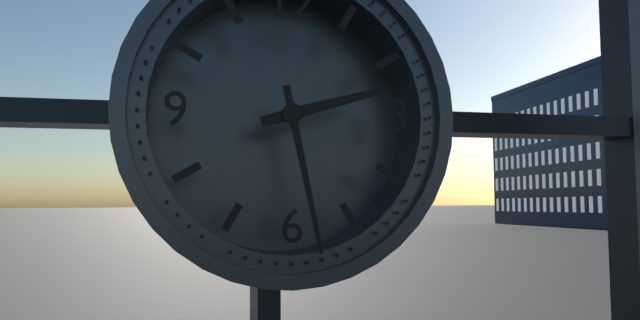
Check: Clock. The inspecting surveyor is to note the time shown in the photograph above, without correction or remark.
2:28
